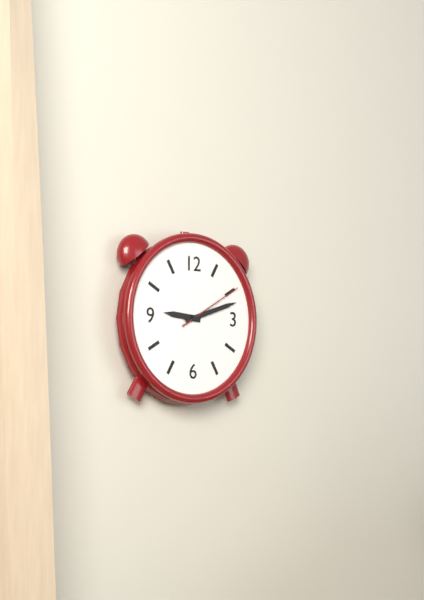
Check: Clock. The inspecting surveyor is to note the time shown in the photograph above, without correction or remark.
9:12:10
